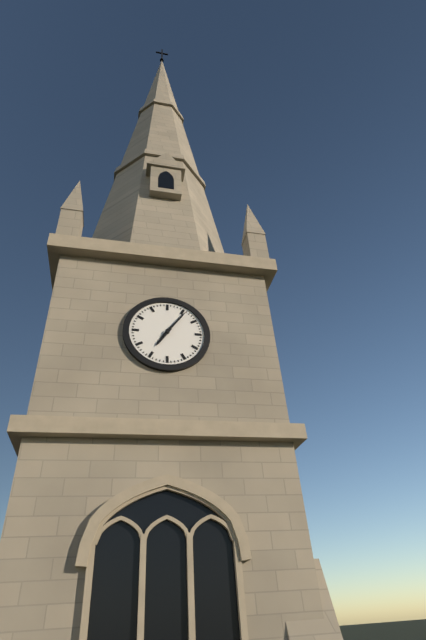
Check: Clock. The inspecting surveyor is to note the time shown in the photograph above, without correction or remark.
7:06
